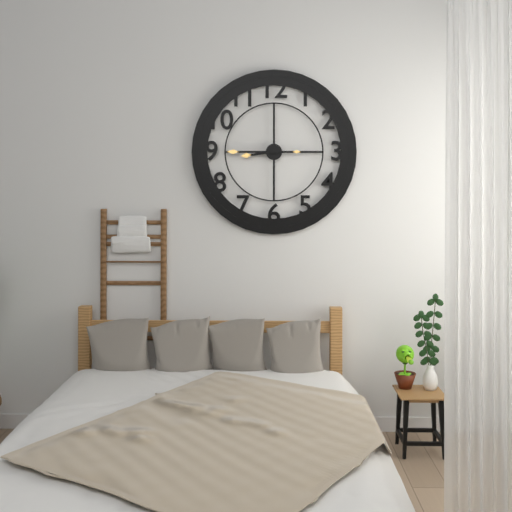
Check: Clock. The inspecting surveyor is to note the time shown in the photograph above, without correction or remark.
8:45
